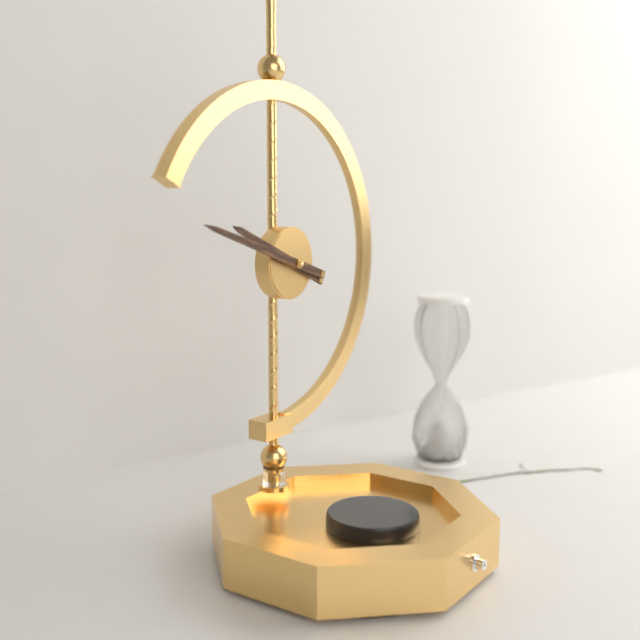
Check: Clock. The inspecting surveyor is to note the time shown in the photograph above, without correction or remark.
9:48
